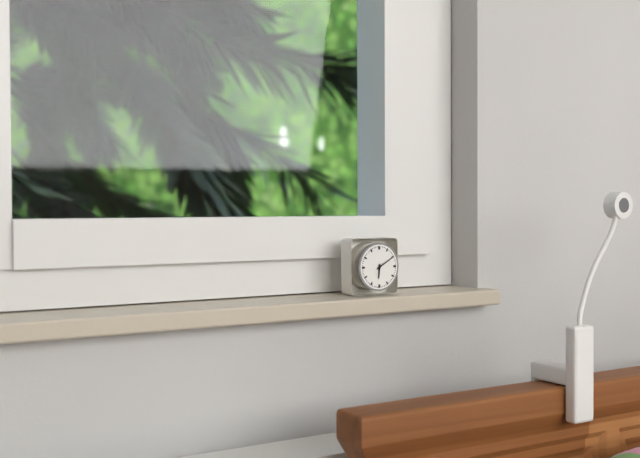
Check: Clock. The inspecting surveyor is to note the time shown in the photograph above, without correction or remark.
6:10
